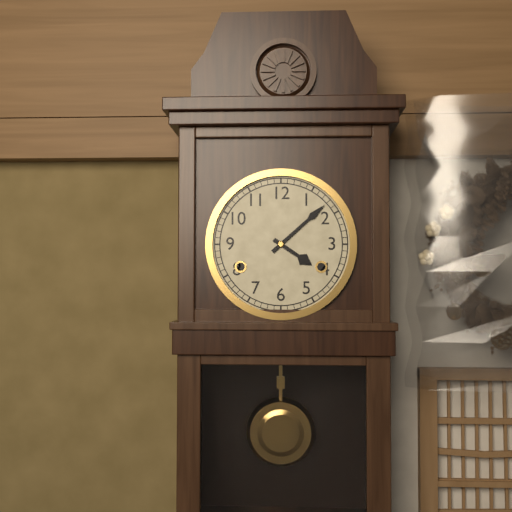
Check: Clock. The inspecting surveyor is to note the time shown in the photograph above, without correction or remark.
4:08
